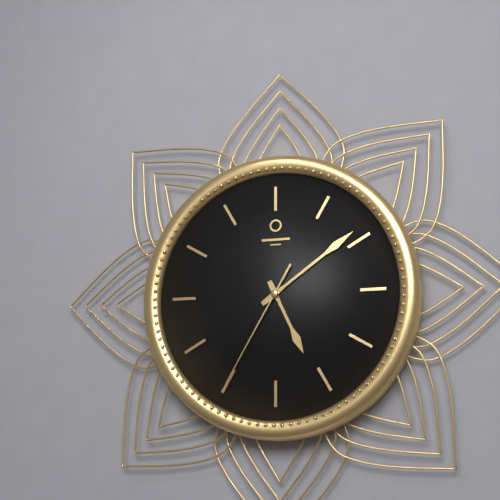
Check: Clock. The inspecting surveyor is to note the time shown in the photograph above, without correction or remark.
5:09:35
